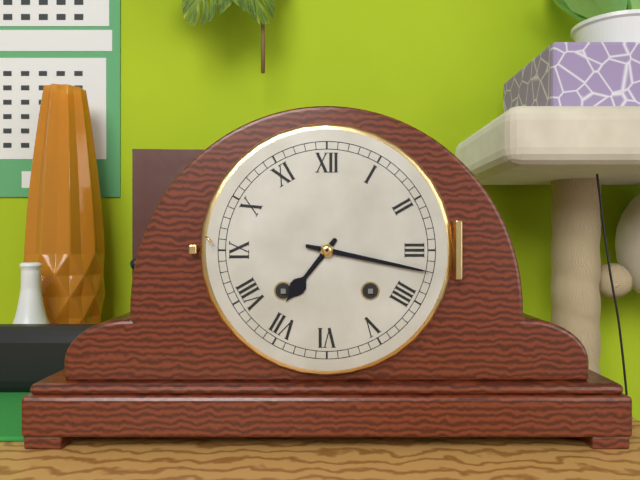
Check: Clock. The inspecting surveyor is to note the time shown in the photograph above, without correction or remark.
7:17
